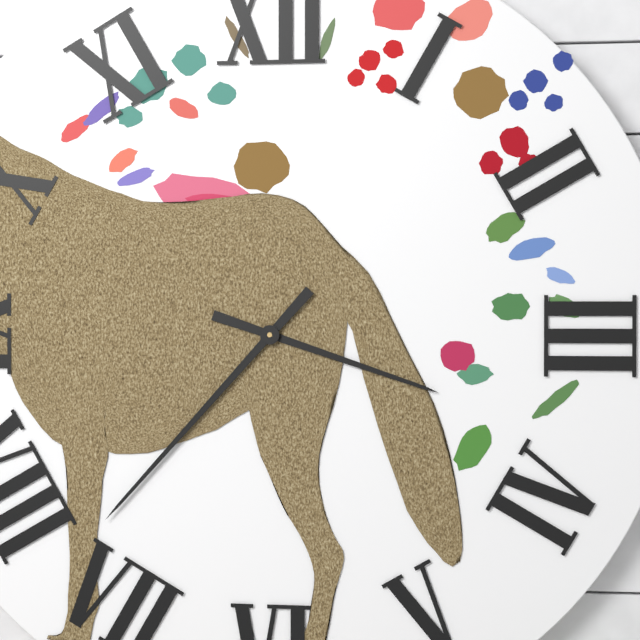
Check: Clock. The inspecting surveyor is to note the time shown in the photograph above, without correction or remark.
3:37
